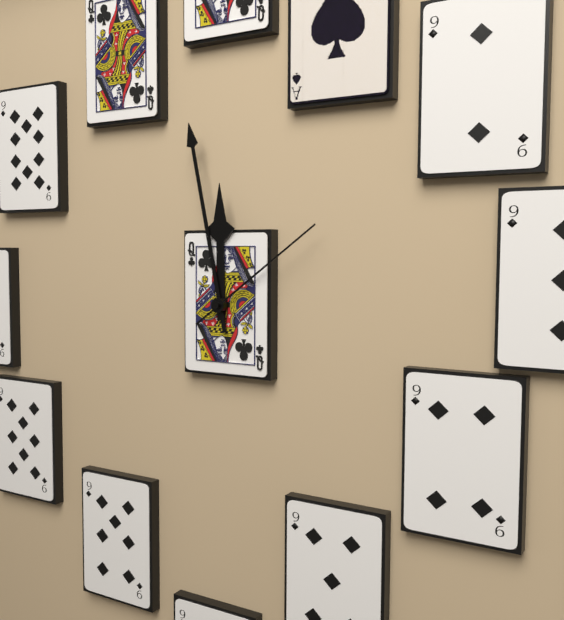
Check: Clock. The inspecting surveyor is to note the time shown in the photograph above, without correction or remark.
11:58:09
